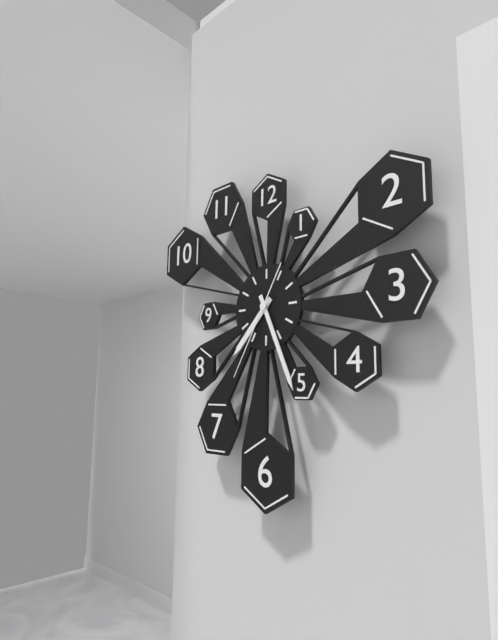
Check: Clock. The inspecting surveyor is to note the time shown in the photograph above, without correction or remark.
7:26:35
